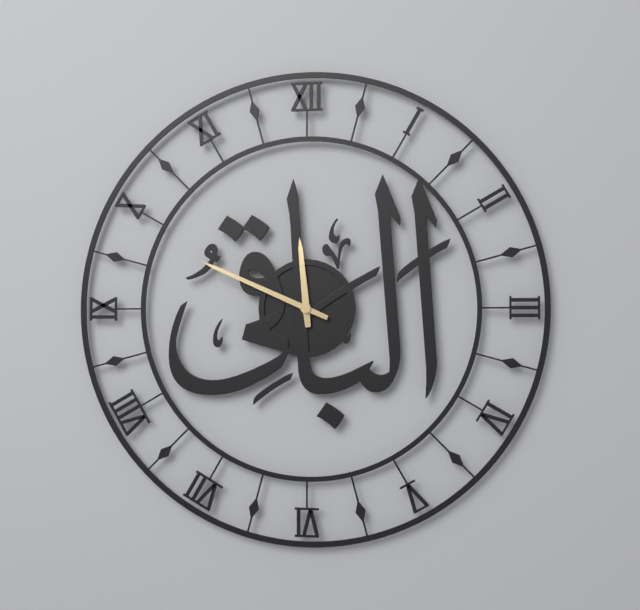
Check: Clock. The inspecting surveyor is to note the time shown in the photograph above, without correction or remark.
11:49
